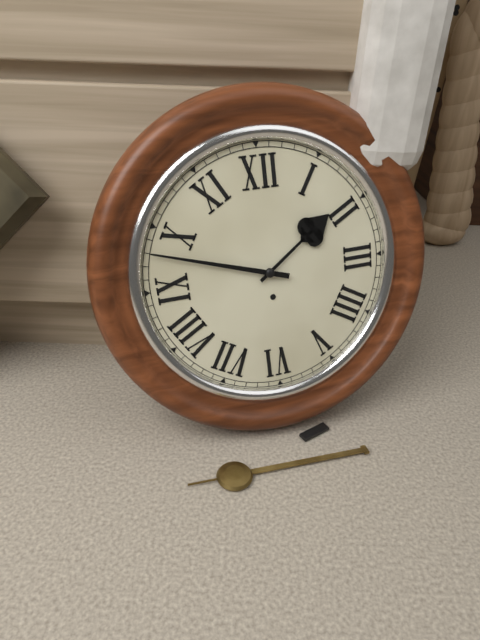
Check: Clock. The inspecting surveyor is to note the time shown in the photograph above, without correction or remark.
1:48
